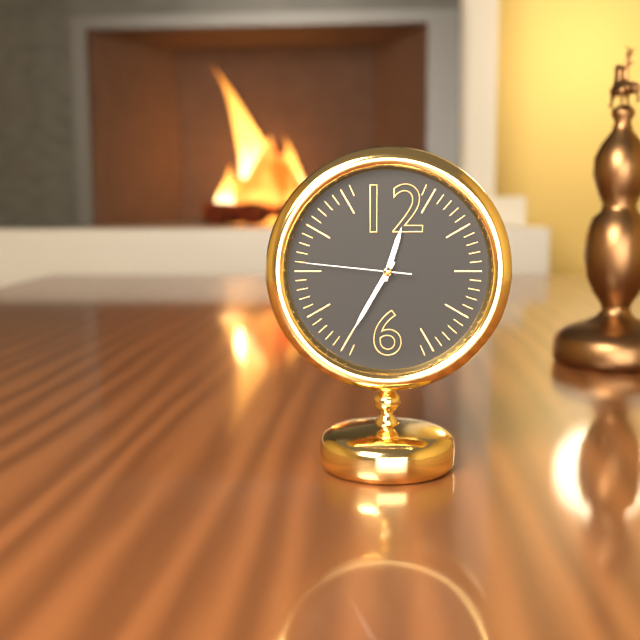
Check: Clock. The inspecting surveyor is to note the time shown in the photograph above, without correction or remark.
12:35:46
